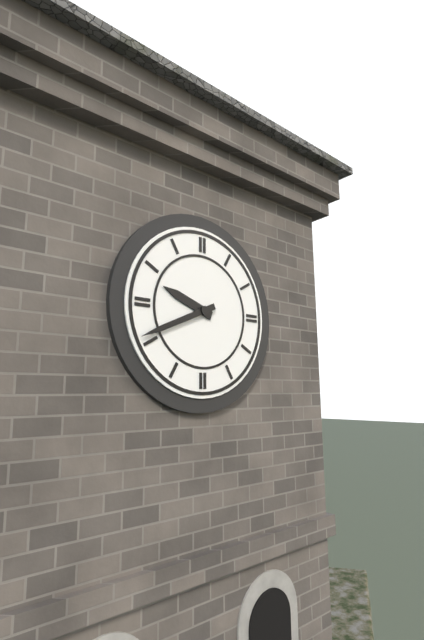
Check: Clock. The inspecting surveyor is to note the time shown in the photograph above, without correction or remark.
9:41
